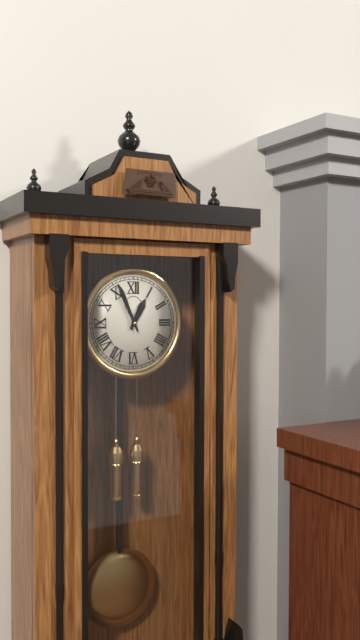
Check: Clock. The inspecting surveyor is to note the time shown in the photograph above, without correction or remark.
12:56
